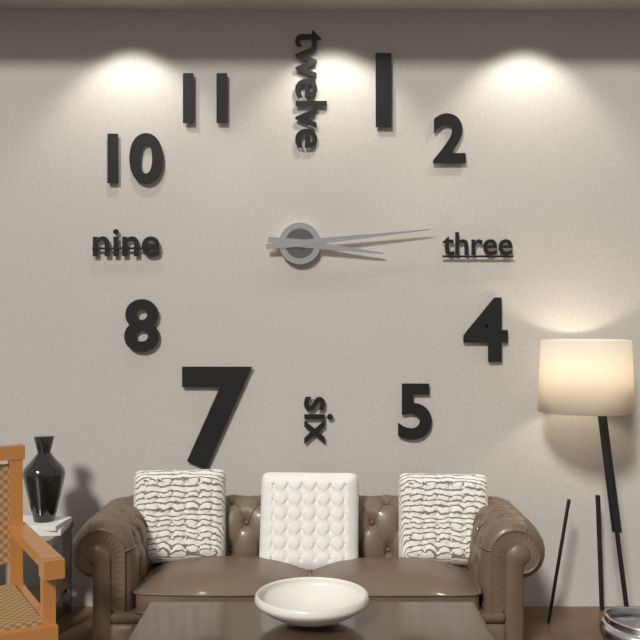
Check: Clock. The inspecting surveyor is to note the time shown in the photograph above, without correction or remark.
3:14
